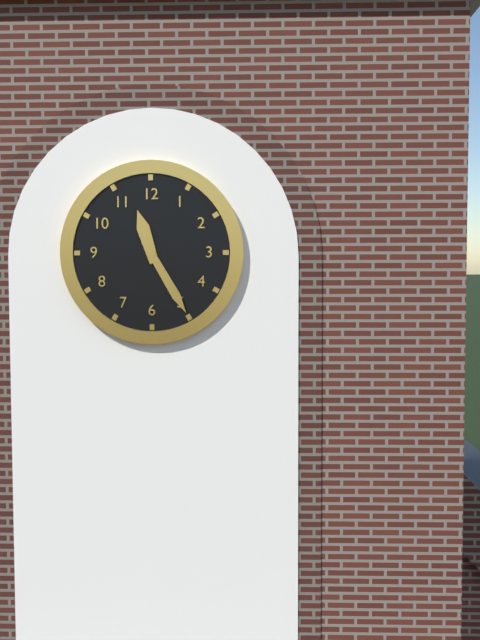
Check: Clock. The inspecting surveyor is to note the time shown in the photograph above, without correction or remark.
11:25
